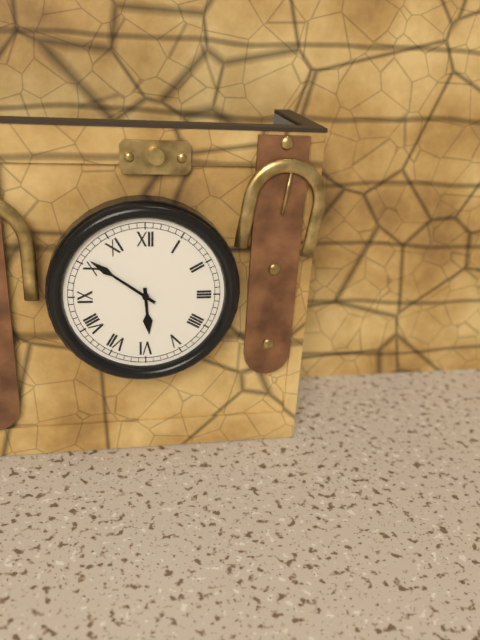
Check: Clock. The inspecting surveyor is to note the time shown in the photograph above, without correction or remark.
5:51
